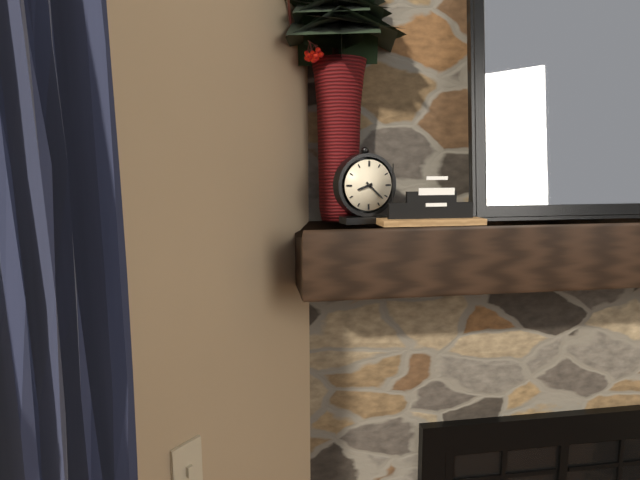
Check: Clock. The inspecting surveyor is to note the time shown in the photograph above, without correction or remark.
8:22
